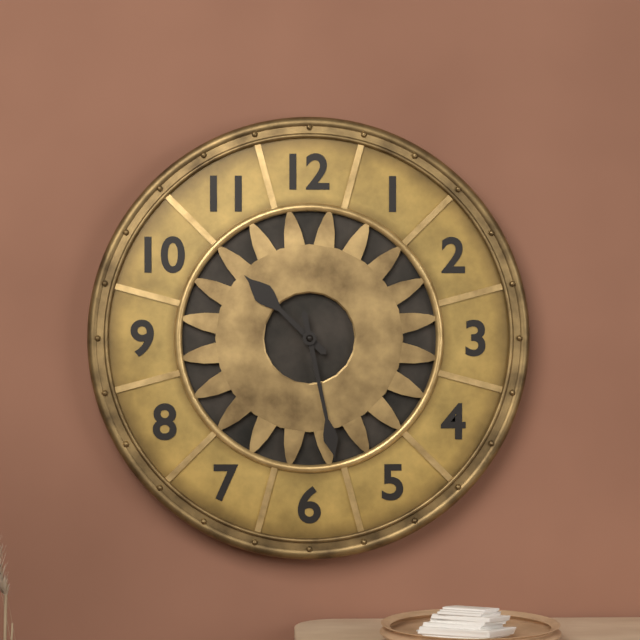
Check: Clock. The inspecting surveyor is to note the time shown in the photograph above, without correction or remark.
10:28
